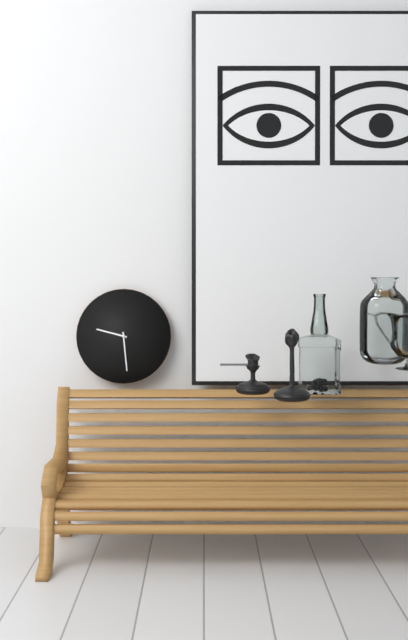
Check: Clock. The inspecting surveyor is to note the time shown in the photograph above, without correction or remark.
9:29
